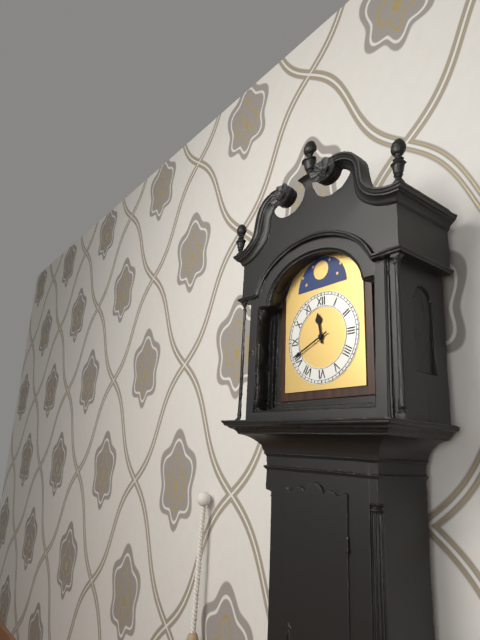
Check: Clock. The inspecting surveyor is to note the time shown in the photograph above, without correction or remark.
11:41
